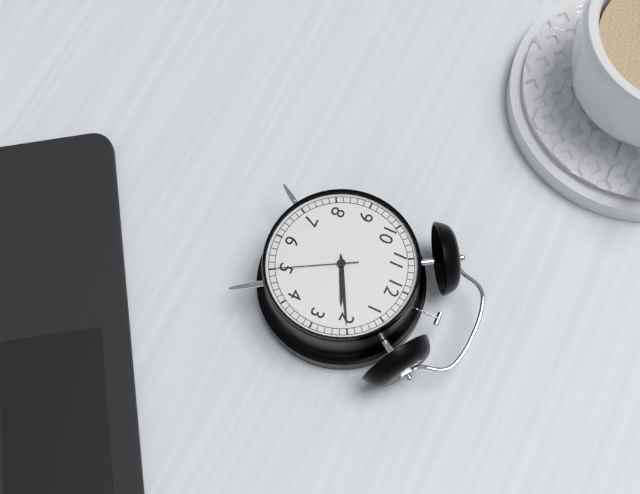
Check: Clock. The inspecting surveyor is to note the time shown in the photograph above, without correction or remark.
2:10:25
